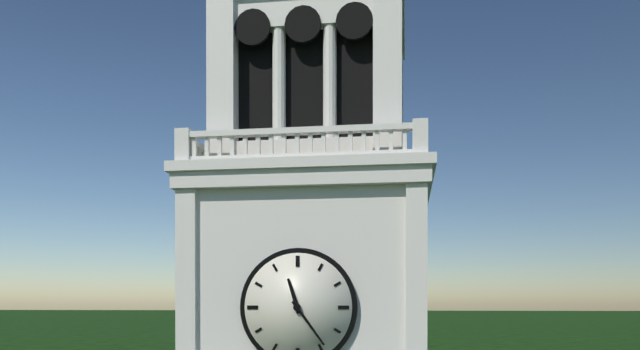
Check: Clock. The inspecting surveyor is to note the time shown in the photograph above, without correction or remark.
11:24
